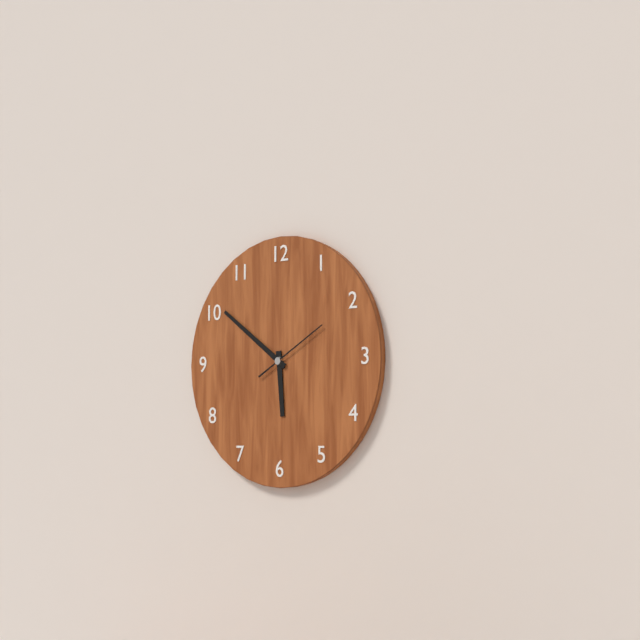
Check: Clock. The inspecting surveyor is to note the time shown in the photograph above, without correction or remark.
5:51:10
